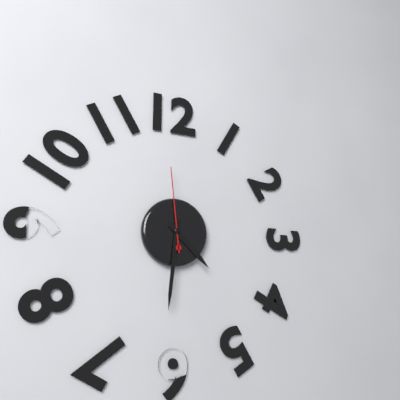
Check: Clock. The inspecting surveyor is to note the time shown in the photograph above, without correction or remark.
4:31:59
